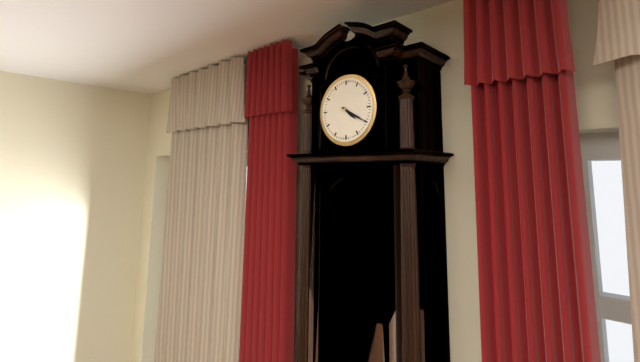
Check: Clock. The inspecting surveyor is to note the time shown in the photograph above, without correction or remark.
4:20
